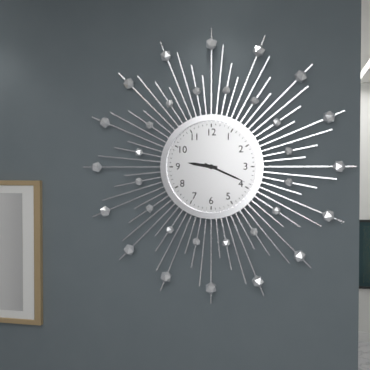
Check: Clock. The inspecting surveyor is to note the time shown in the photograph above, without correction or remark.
9:19
